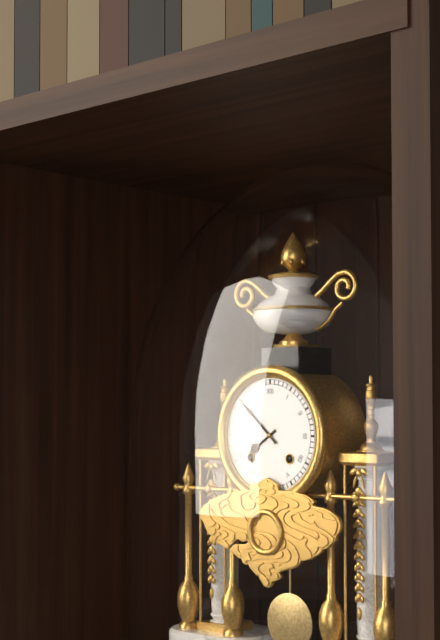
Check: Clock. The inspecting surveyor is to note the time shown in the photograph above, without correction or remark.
7:52
